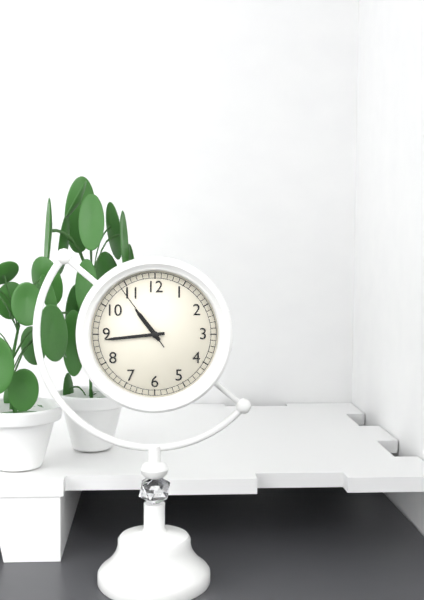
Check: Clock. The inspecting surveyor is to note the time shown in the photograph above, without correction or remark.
10:44:54
